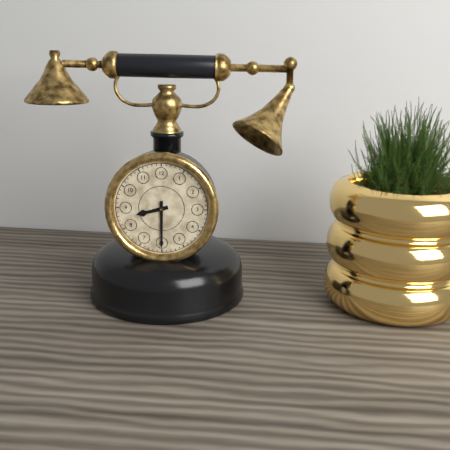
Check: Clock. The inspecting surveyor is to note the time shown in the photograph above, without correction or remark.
8:30
